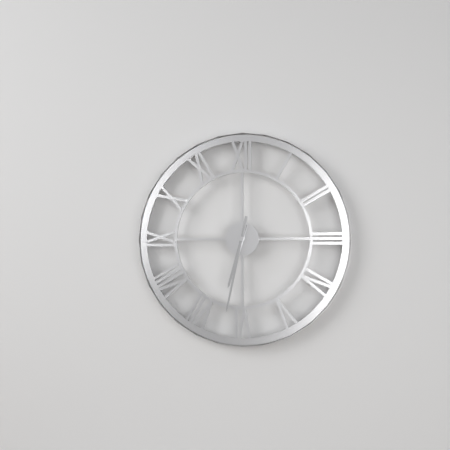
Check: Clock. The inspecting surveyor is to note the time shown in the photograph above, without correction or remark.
6:32
